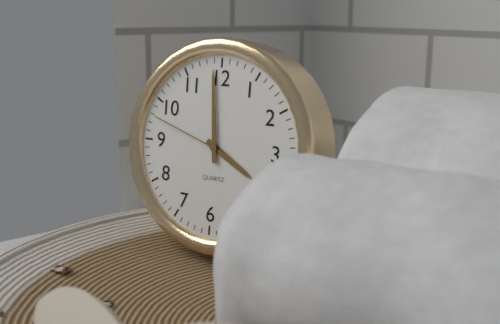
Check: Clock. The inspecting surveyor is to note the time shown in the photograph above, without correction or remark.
3:59:48
